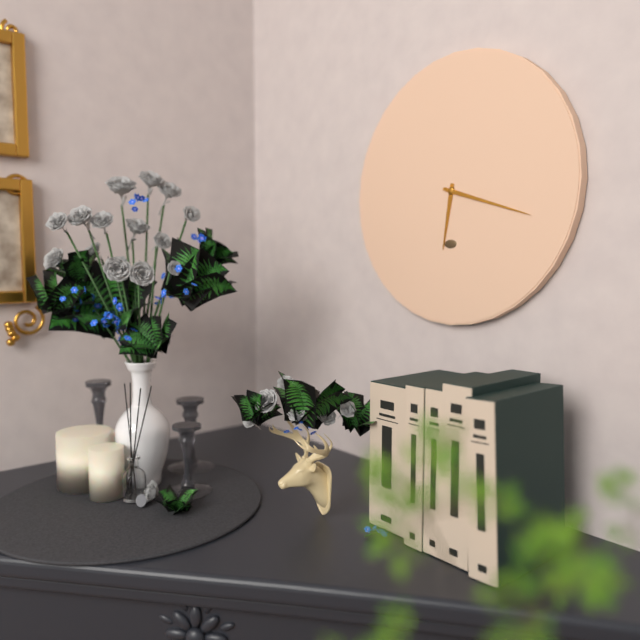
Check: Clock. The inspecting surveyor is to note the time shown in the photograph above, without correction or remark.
6:18
